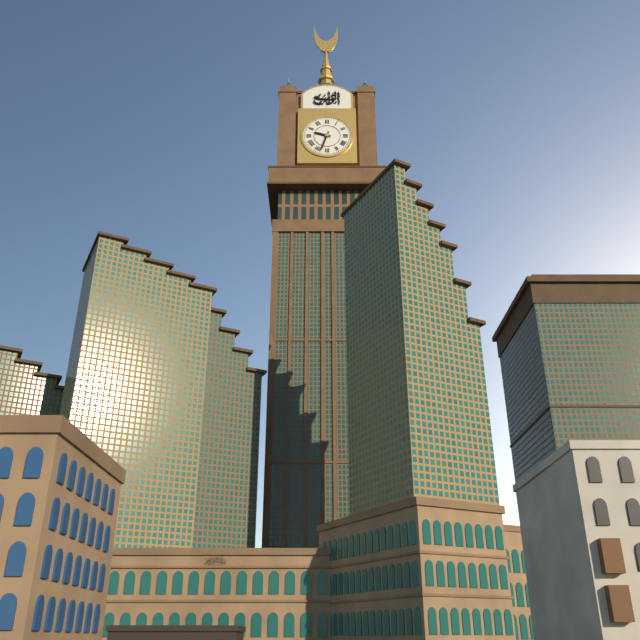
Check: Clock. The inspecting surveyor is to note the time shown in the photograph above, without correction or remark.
9:33
